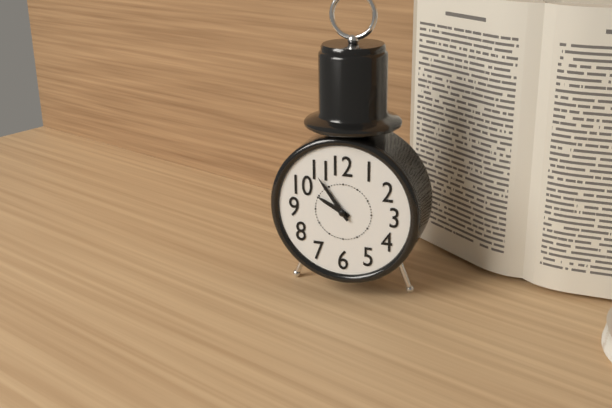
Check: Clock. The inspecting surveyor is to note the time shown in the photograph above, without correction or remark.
9:54
